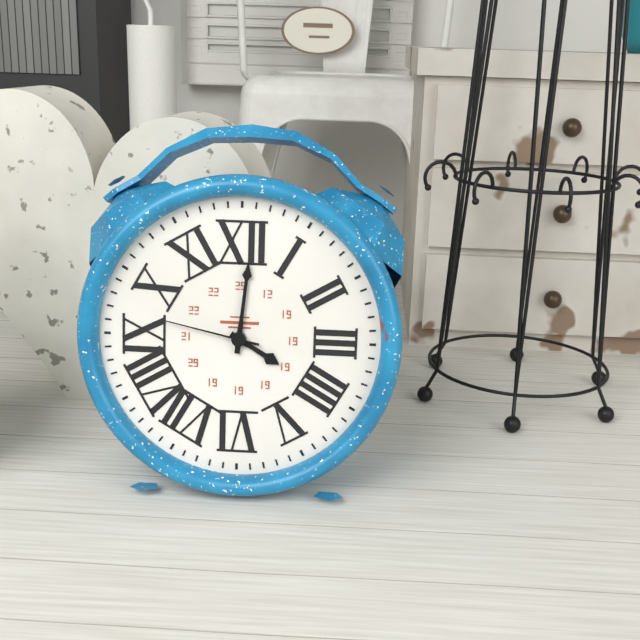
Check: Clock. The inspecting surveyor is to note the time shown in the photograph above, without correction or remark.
4:01:47
